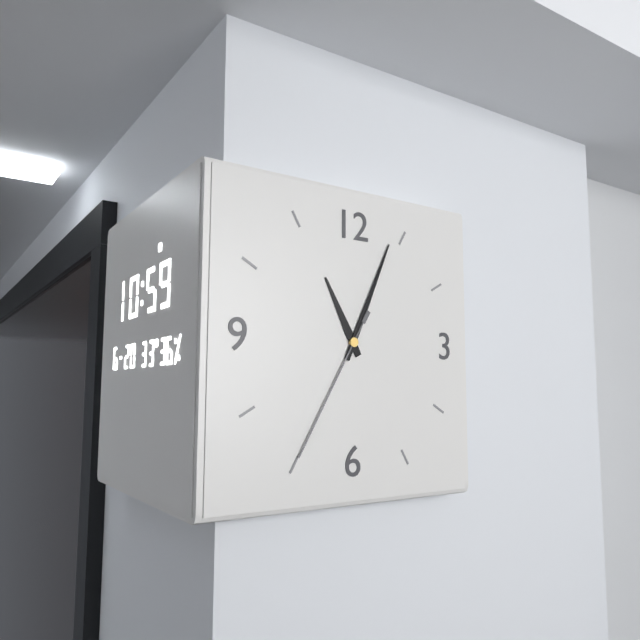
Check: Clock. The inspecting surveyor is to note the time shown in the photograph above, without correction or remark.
11:04:35
